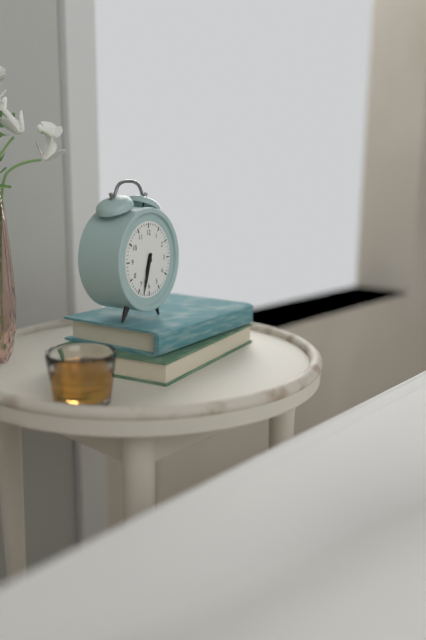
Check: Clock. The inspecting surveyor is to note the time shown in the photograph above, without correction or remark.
6:33
